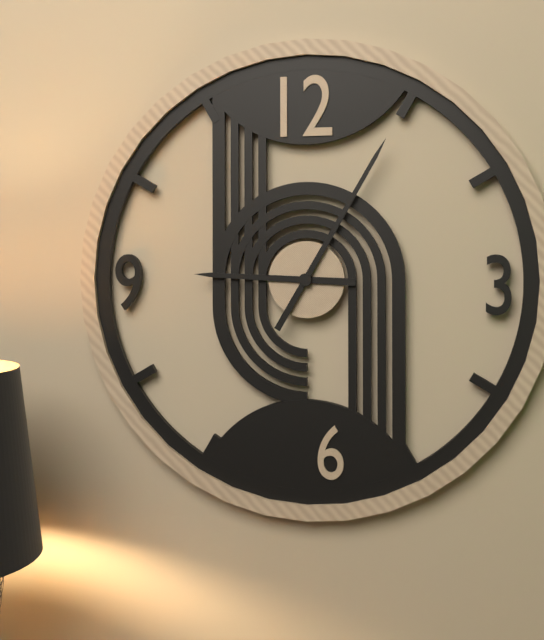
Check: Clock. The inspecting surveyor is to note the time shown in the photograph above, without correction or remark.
9:05
